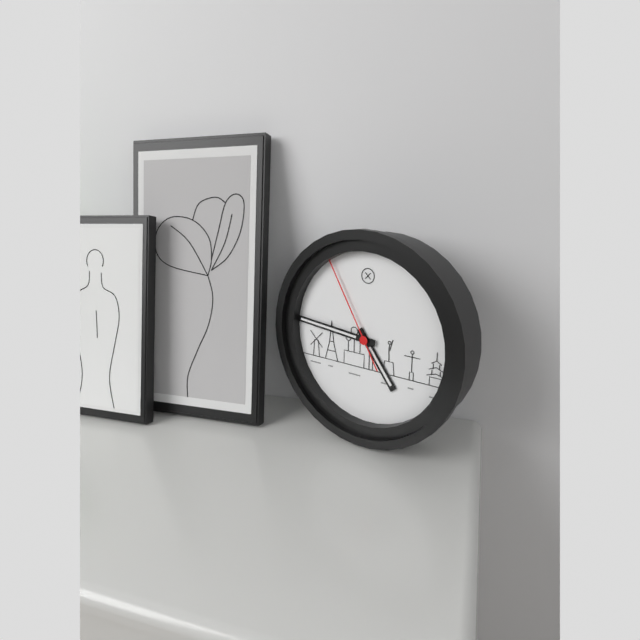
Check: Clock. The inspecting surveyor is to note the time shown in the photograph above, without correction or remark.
4:46:55
